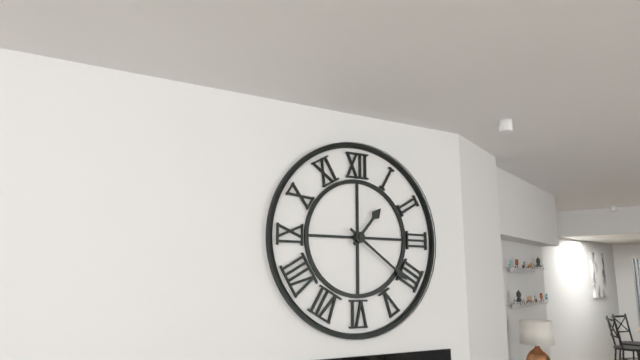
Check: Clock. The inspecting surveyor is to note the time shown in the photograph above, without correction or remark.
1:21
